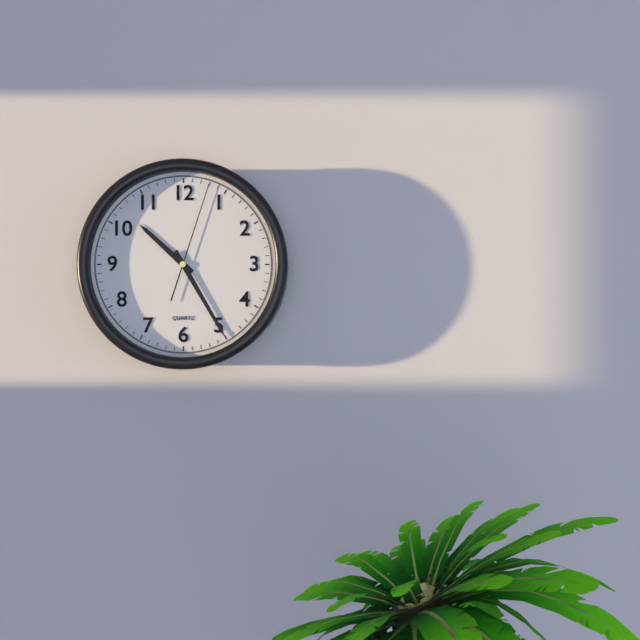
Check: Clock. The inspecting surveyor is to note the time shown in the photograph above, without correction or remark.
10:25:03
